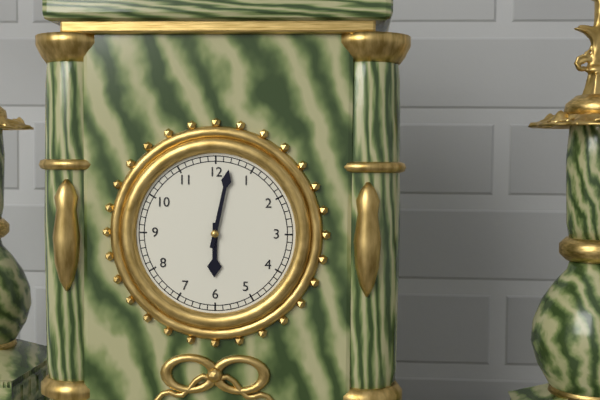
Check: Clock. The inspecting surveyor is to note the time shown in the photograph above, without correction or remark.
6:02
